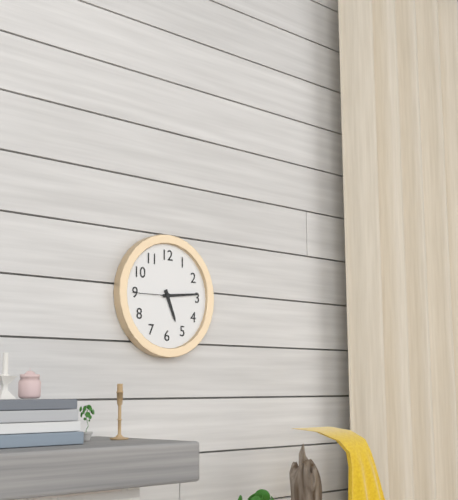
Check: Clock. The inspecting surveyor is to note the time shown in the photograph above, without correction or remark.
5:14
